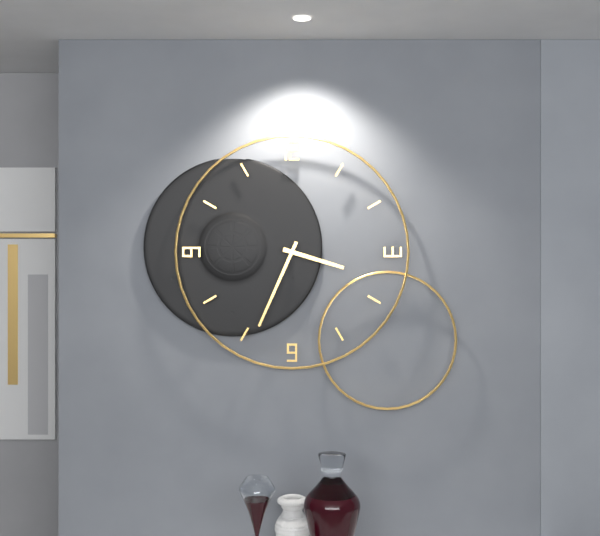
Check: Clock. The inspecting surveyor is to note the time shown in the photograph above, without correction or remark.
3:34
